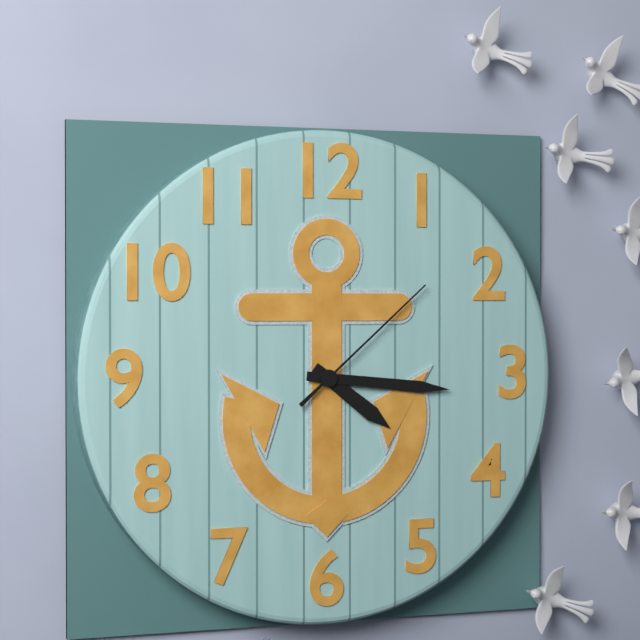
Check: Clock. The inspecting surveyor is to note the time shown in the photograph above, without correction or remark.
4:16:08
